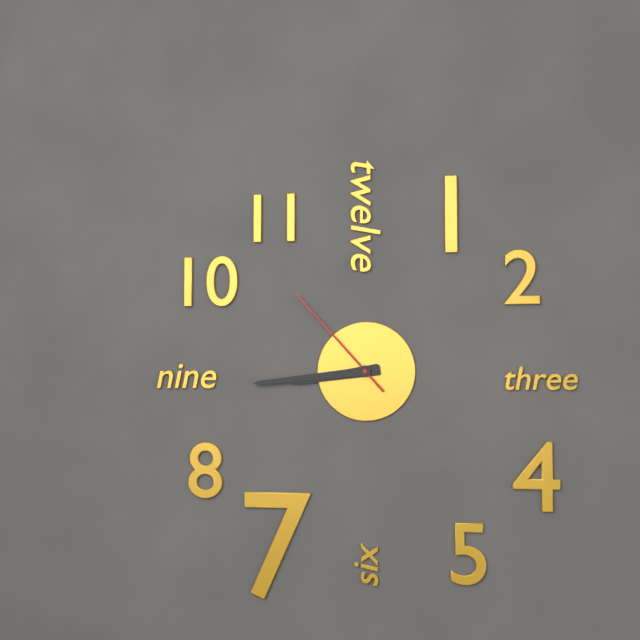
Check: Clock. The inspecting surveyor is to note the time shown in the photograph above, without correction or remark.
8:44:53
